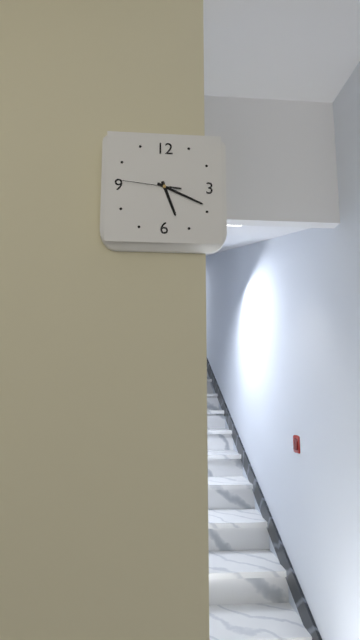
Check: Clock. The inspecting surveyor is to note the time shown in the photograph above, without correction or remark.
5:19:46
